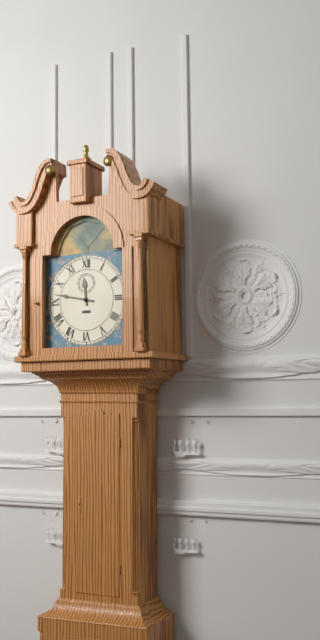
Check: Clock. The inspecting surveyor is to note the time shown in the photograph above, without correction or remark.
11:47
